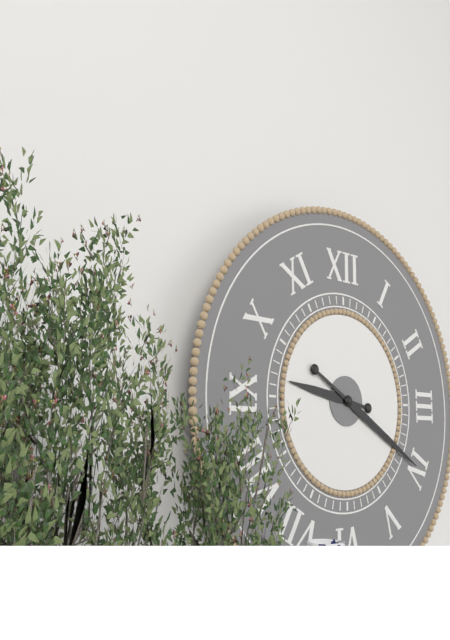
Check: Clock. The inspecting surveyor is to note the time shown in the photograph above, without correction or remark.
9:20
